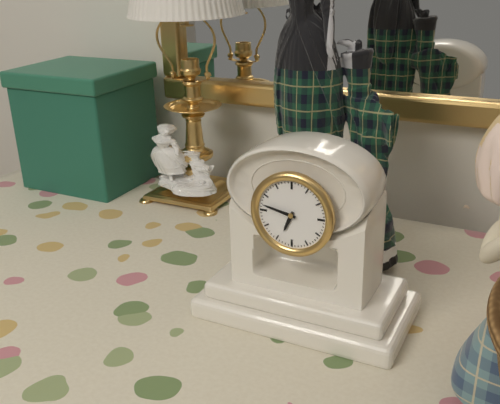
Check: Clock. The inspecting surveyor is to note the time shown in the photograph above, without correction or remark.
6:47
